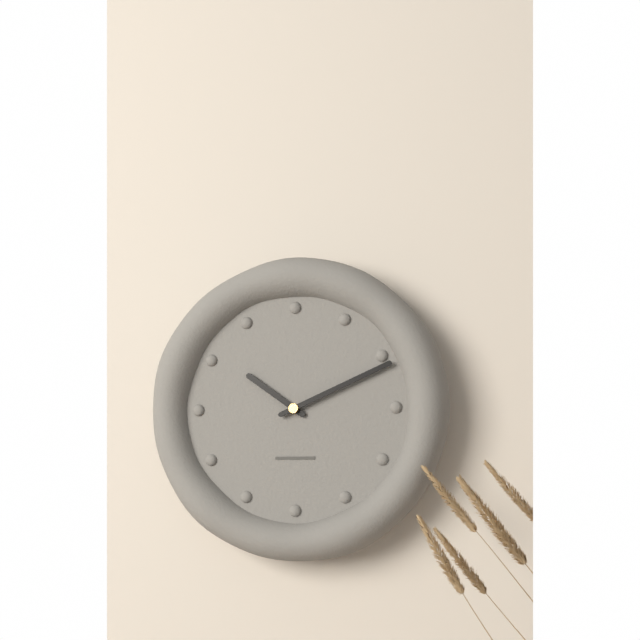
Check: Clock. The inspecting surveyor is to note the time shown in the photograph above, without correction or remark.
10:11
